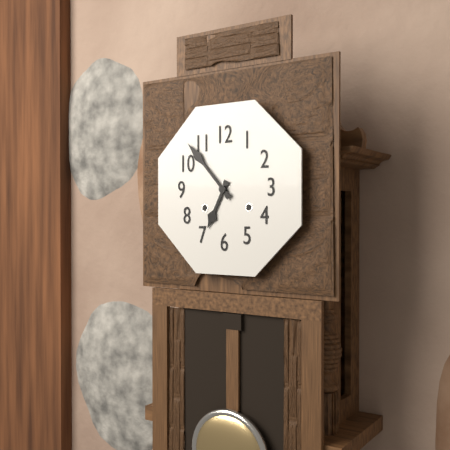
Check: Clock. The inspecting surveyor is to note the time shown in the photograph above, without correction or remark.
6:53
